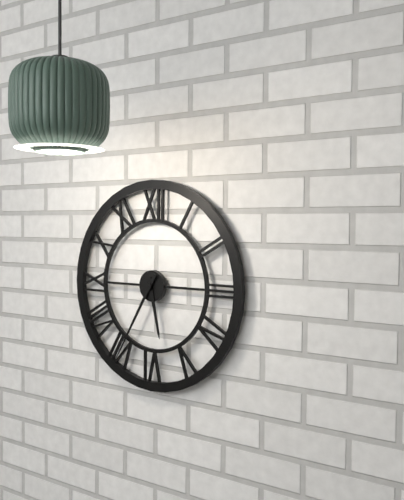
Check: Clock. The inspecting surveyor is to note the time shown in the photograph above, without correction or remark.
5:35
